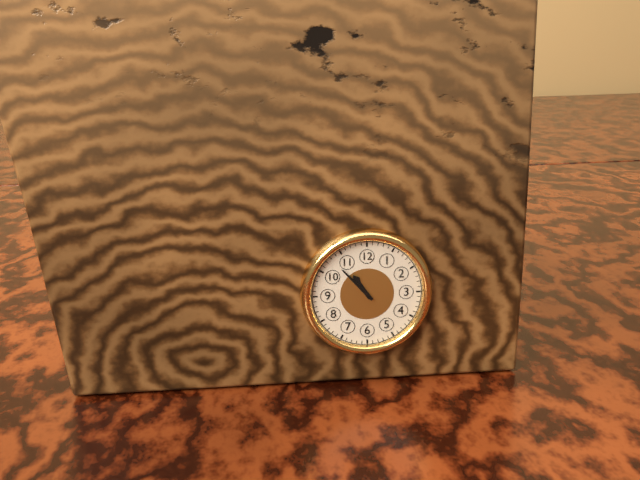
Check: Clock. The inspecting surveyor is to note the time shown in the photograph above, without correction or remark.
10:53
